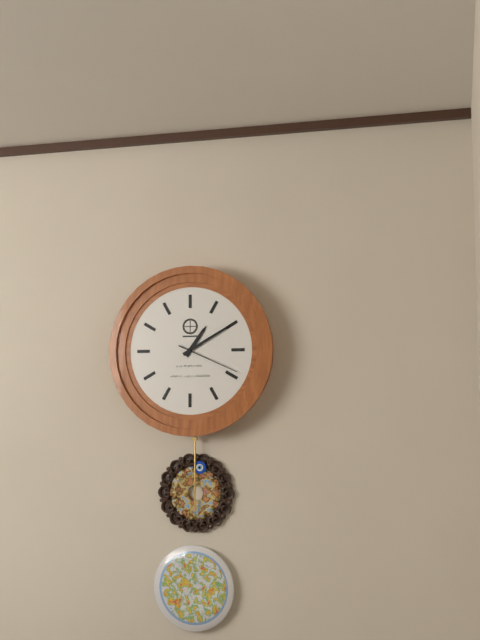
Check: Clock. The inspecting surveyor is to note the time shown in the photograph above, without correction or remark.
1:10:19
